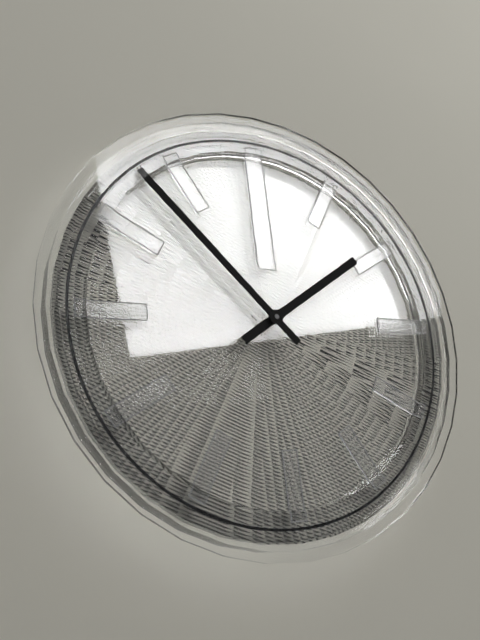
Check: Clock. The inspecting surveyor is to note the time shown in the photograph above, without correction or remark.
1:53
